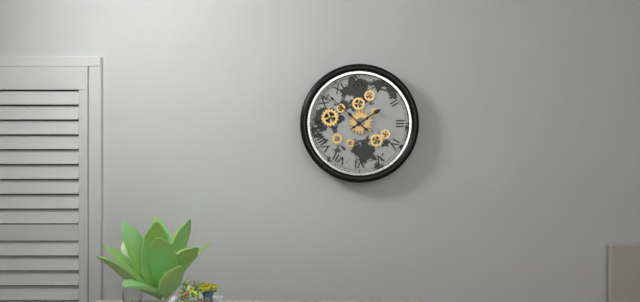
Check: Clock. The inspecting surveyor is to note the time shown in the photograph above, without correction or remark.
1:52
